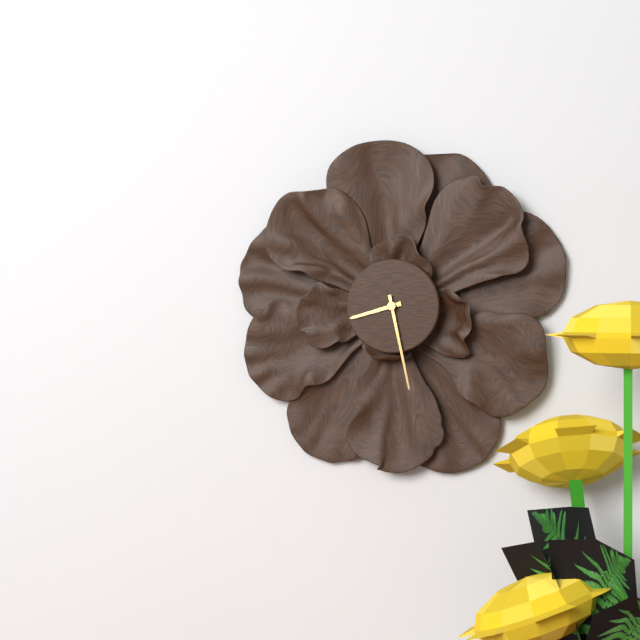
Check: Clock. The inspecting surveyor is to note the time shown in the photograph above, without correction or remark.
8:28
